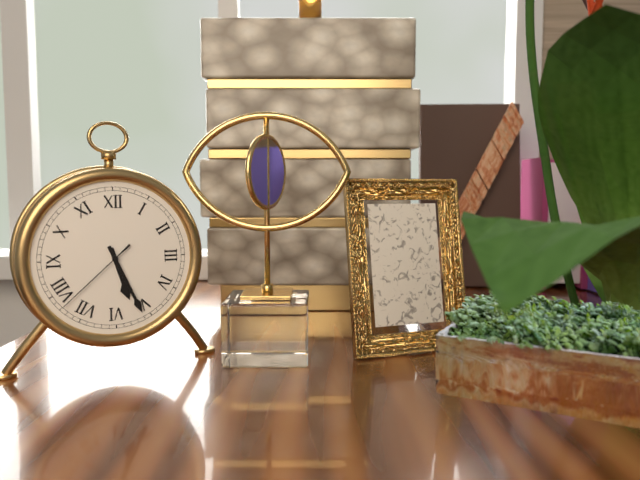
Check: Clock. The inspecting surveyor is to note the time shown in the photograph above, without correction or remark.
5:26:38
